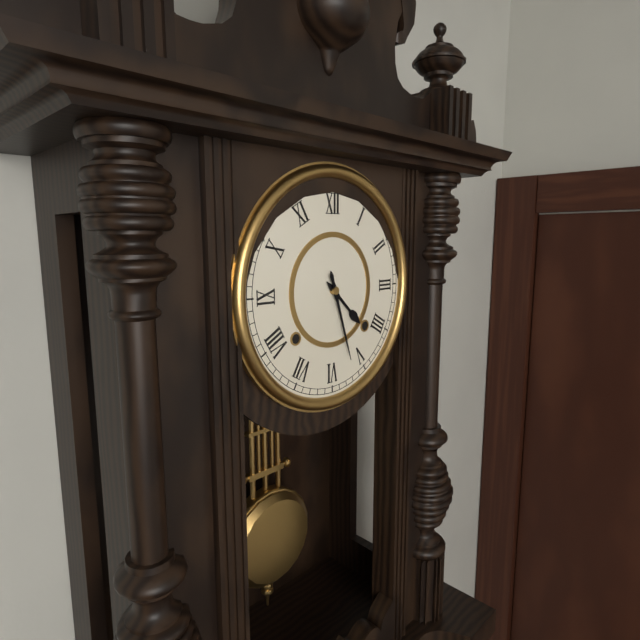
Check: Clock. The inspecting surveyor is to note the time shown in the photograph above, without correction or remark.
4:27
